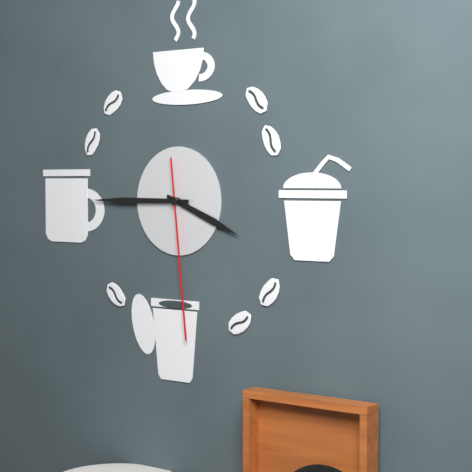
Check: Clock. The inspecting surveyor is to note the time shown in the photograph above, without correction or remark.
3:45:29
